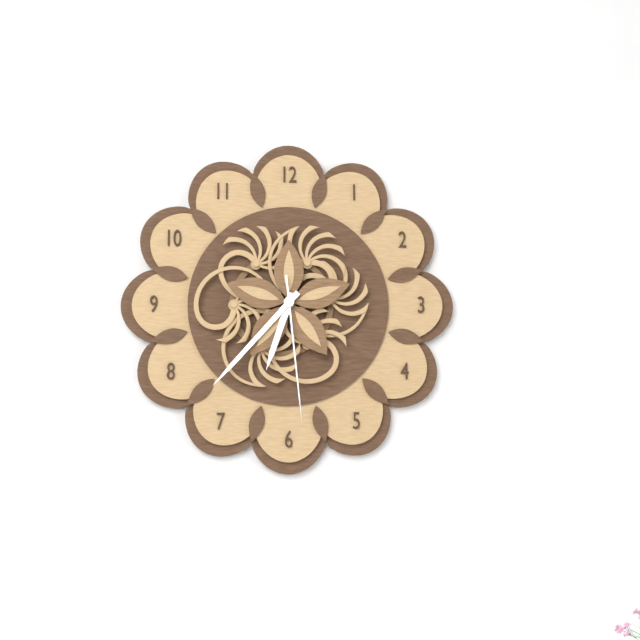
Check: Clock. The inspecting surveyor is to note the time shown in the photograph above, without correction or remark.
6:37:29
